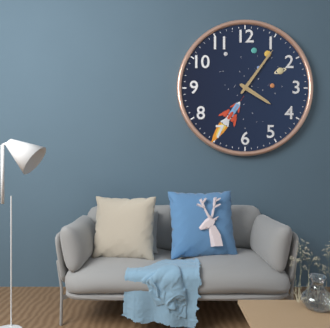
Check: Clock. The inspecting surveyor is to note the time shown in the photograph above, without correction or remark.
4:06
